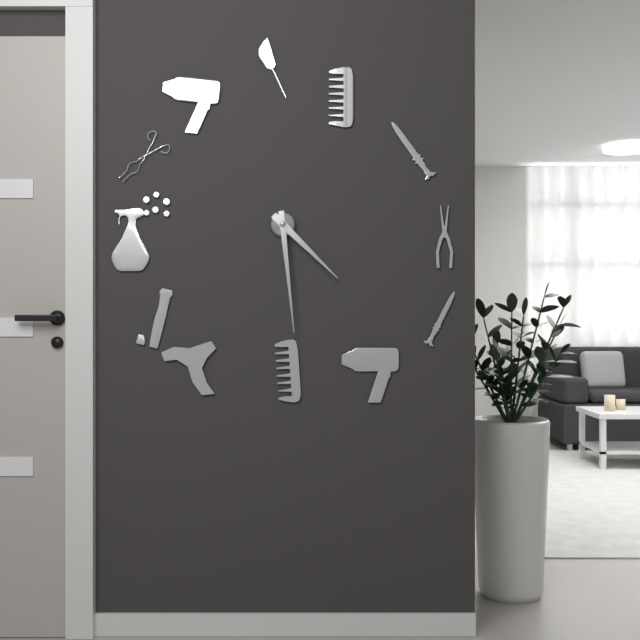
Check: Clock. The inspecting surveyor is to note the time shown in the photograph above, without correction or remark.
4:29
